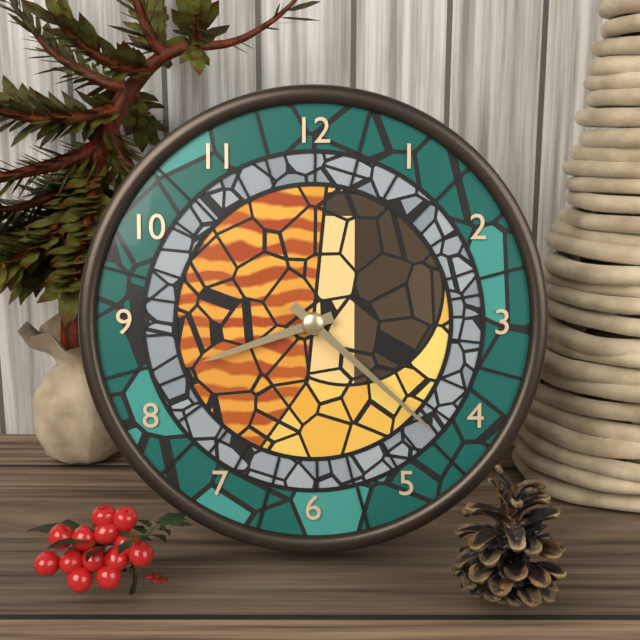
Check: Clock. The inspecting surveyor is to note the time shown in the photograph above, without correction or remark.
8:22
